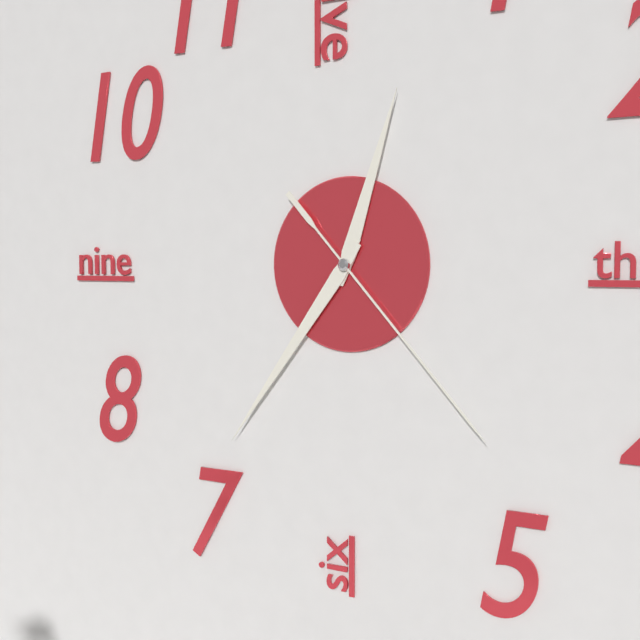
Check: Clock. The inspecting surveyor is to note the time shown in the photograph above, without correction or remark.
12:36:23
